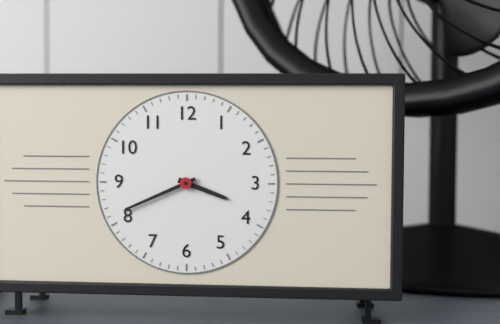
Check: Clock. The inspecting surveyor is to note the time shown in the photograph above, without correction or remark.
3:41
